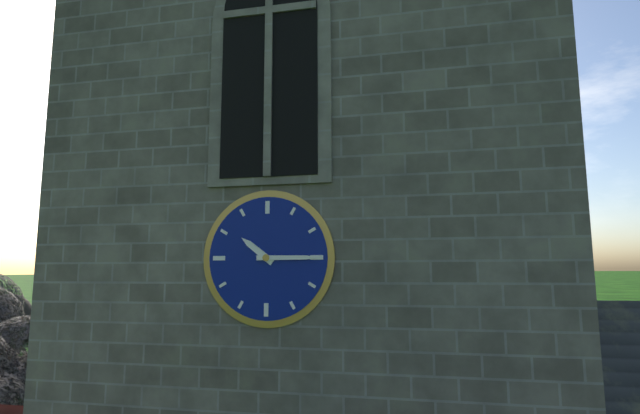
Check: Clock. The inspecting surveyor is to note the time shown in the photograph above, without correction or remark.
10:15
